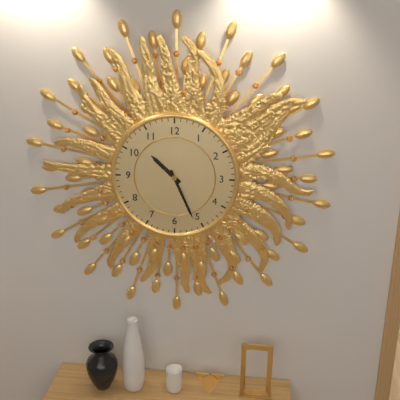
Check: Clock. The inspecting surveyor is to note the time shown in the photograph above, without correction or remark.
10:26
